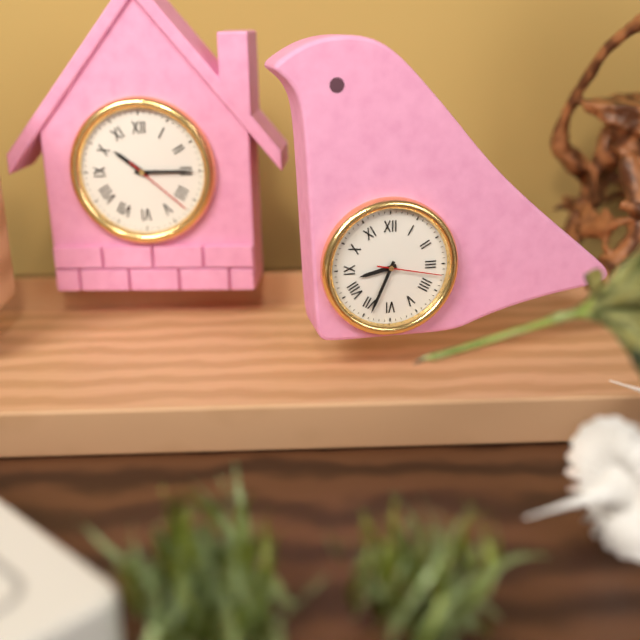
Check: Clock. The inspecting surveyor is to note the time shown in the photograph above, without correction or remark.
8:34:17
